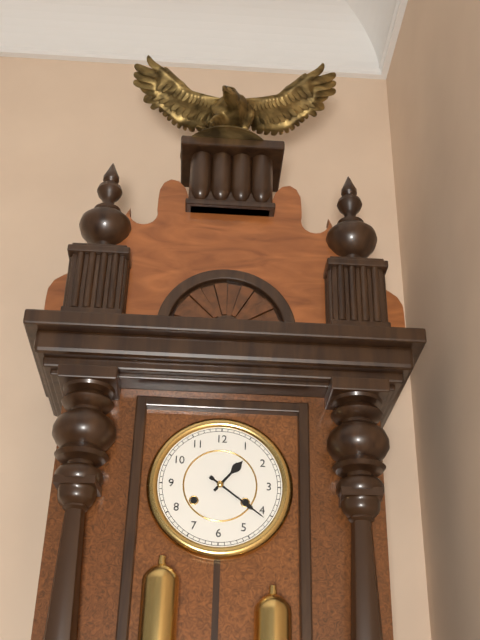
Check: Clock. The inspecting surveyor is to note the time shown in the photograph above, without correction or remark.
1:21
